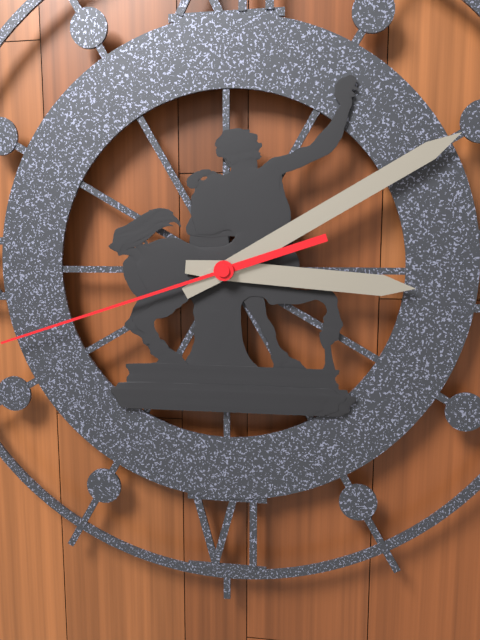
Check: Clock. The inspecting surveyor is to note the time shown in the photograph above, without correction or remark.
3:10:42
